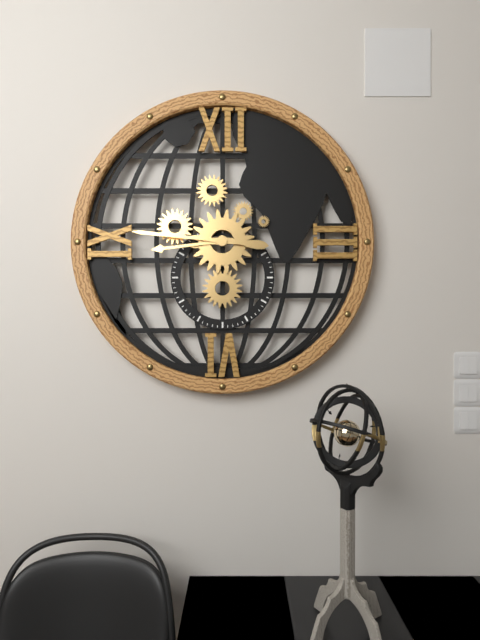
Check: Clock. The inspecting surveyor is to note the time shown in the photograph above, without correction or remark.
8:46
